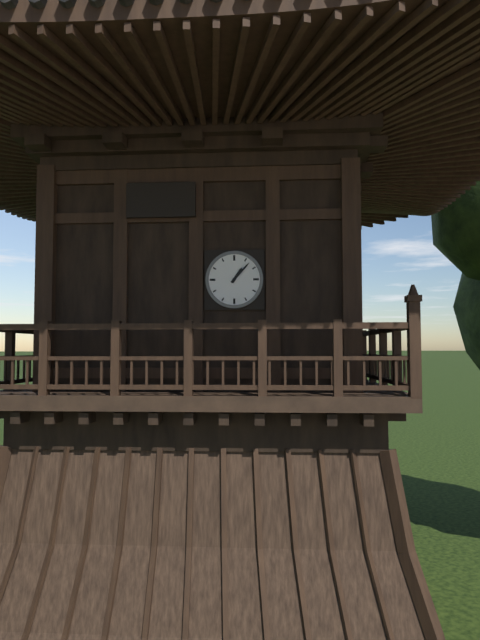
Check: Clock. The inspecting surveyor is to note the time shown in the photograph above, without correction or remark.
1:07
